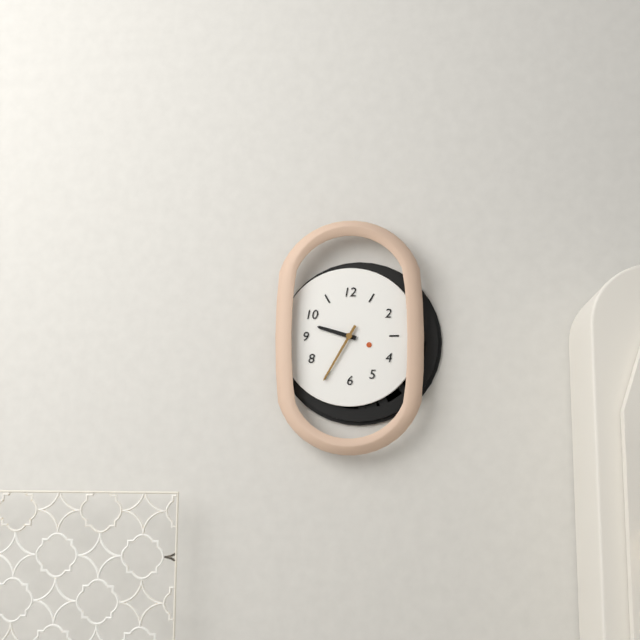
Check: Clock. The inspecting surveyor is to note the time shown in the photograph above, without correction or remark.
9:35
